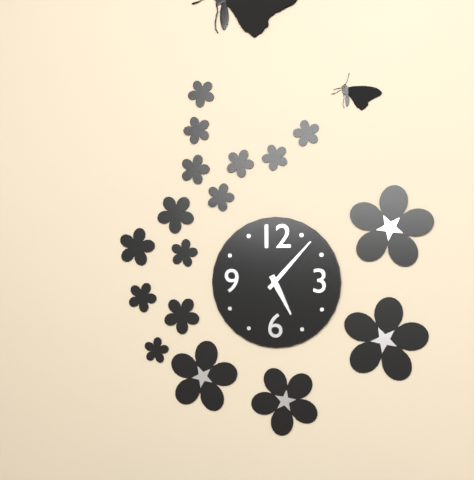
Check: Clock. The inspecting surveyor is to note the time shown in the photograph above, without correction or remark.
5:07
